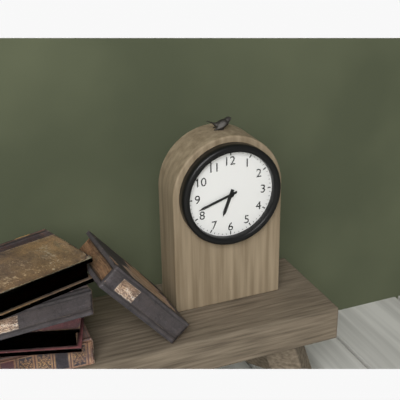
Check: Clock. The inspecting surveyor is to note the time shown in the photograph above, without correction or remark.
6:42
